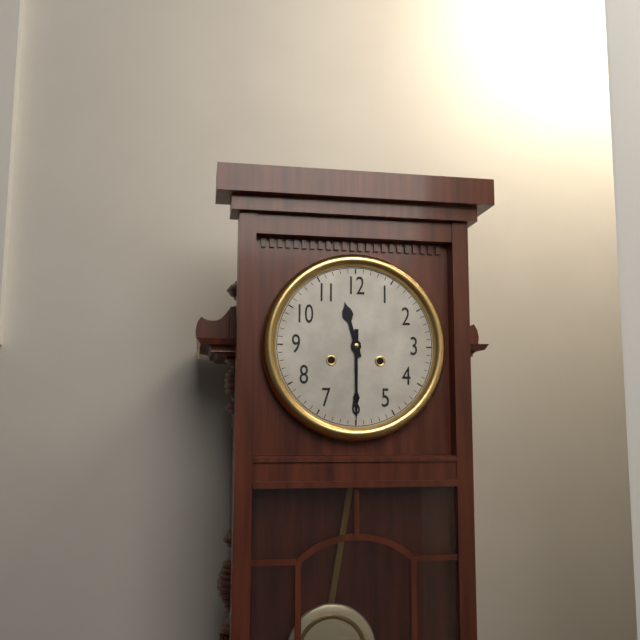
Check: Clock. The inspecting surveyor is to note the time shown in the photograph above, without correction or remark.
11:30
